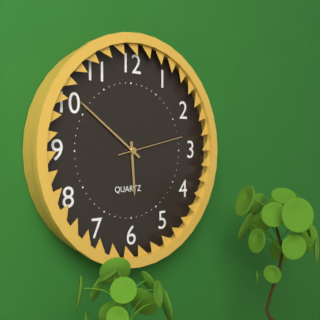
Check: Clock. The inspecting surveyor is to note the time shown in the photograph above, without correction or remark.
5:51:13
